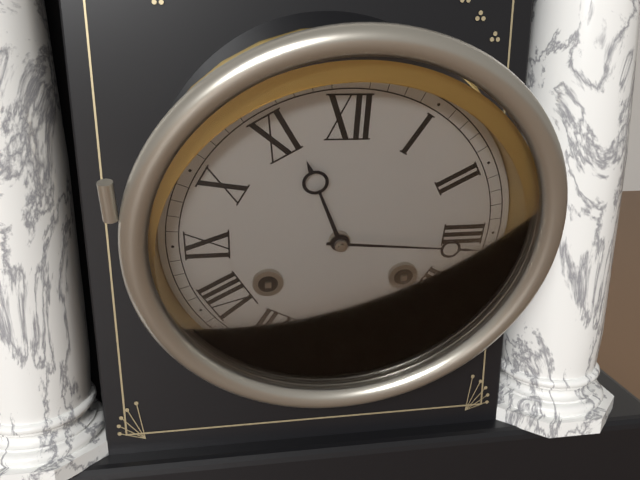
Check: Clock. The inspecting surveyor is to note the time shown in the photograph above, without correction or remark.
11:16
